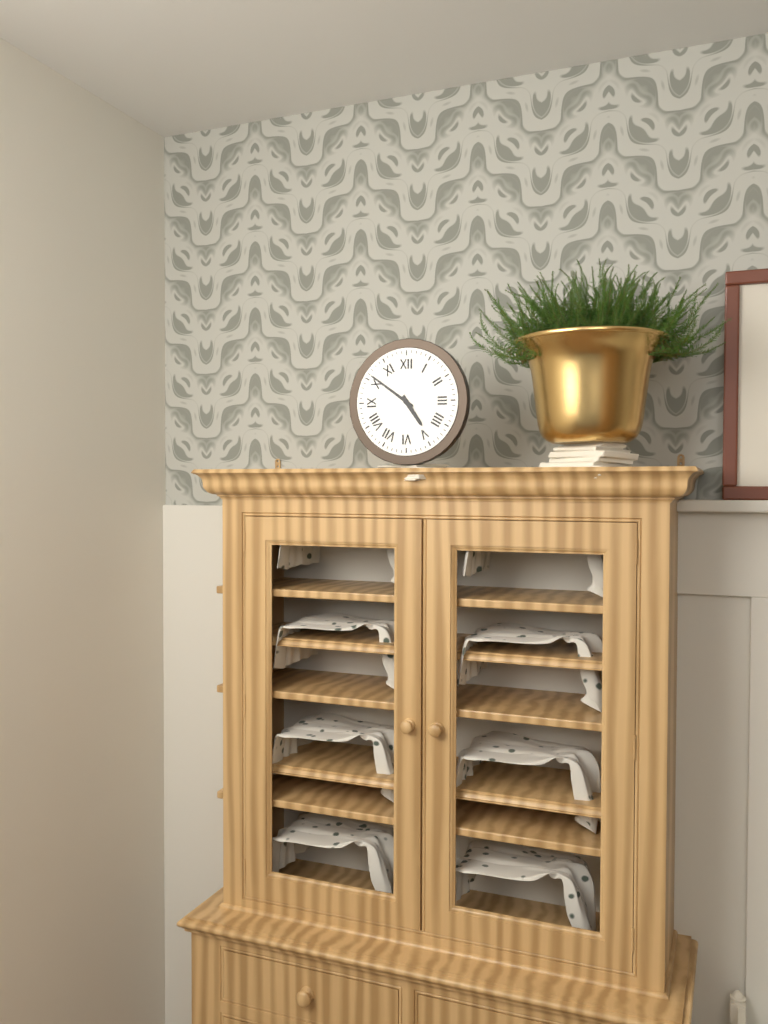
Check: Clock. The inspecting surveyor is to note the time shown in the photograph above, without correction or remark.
4:51
